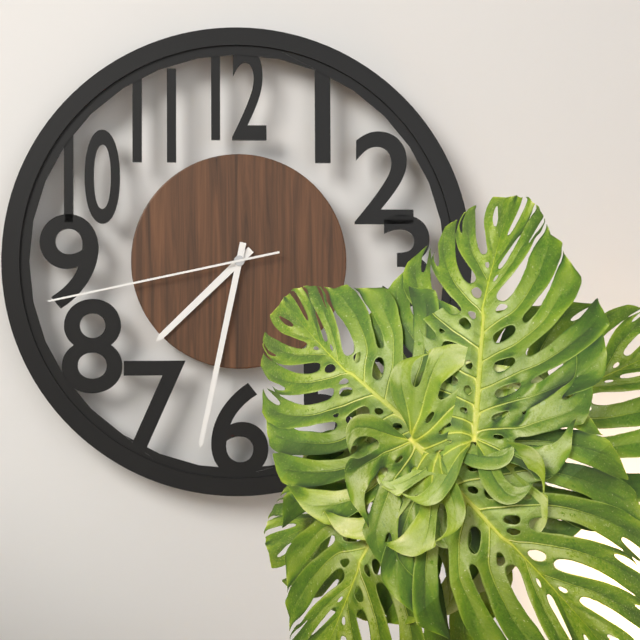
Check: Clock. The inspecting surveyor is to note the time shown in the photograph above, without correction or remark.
7:32:43
